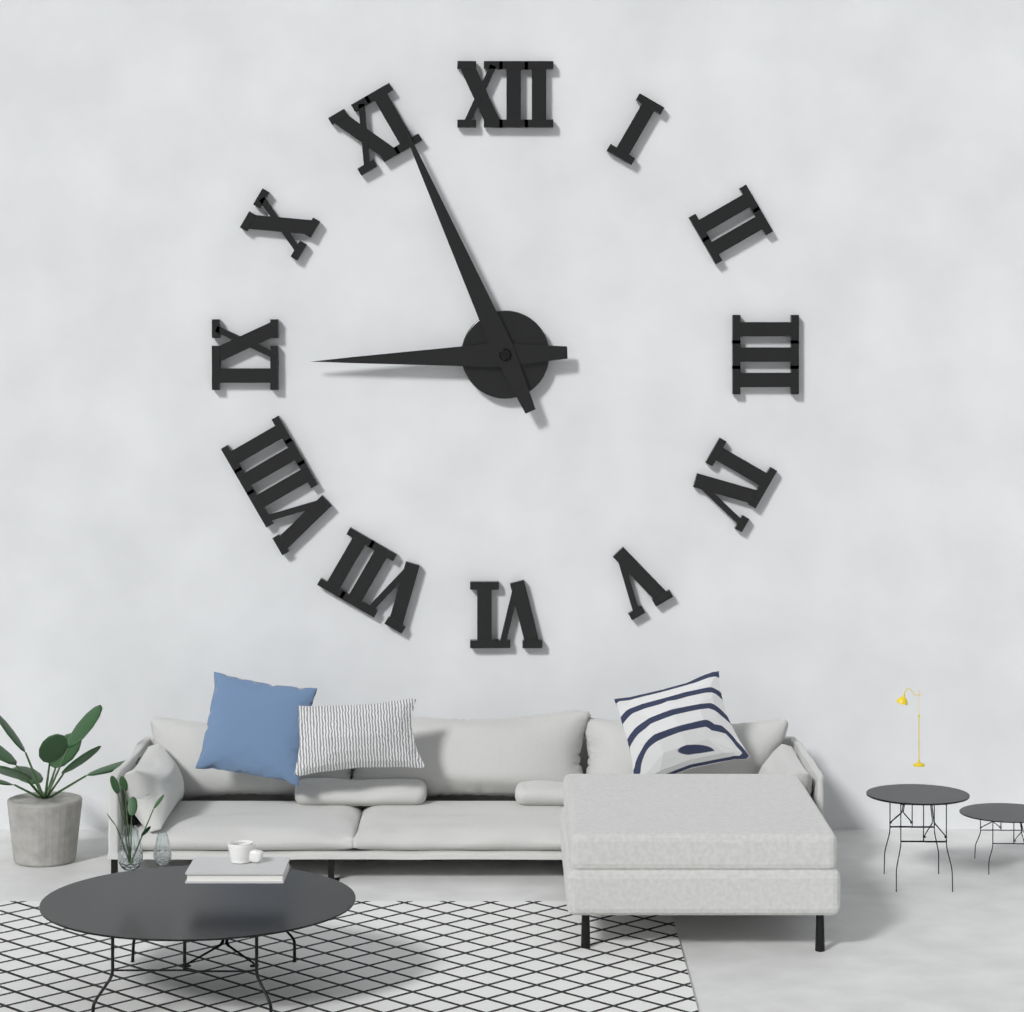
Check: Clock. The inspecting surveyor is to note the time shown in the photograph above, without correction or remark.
8:56
